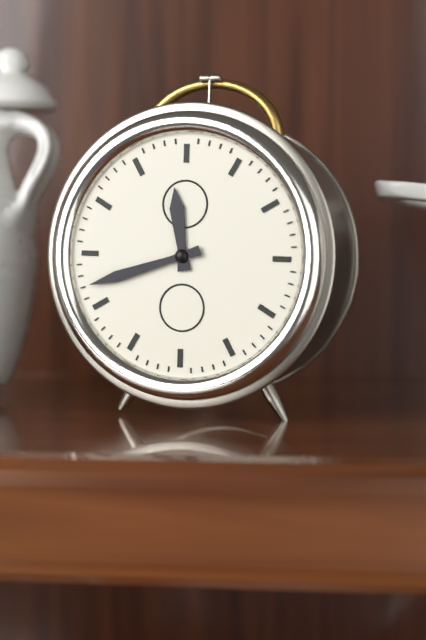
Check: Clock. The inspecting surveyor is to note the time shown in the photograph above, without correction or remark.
11:42
